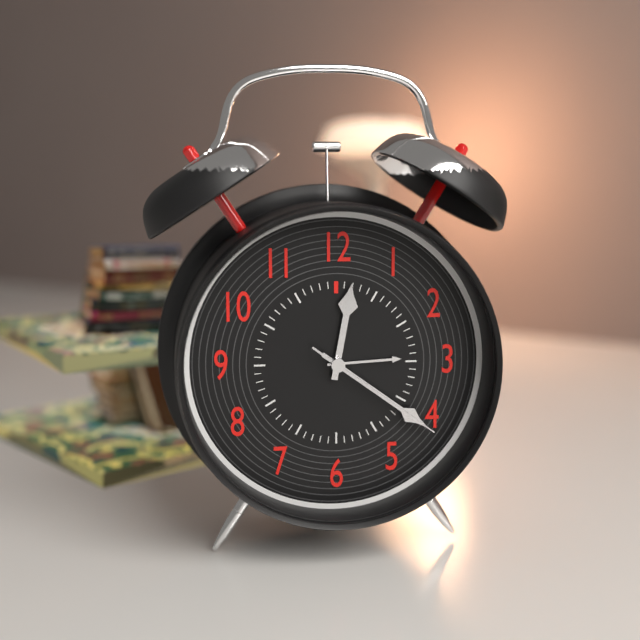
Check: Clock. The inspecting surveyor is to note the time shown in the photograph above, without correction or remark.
12:21:21
